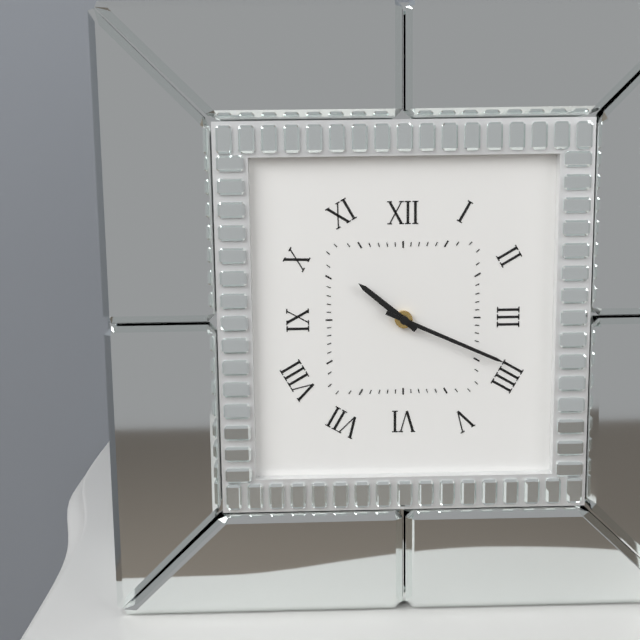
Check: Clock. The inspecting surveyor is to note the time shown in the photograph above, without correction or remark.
10:19
